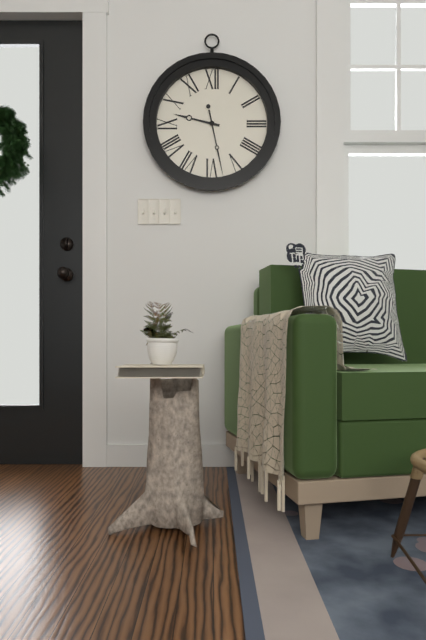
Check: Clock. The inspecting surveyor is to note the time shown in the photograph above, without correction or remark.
9:28
